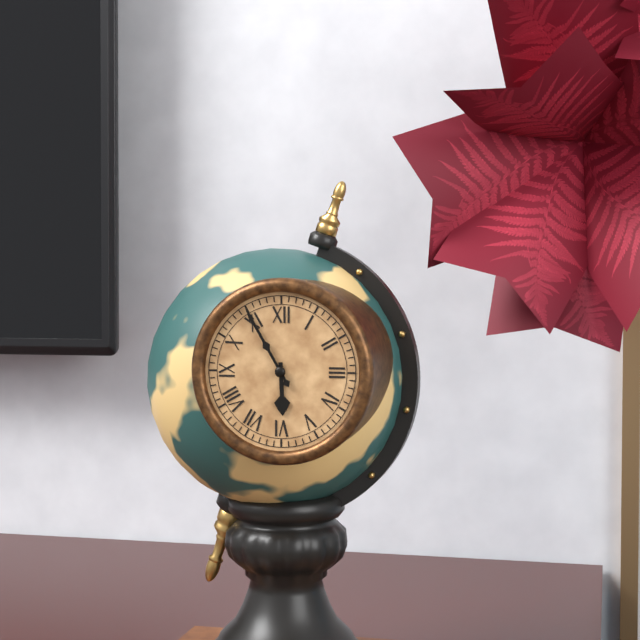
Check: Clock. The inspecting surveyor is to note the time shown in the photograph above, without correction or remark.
5:55
